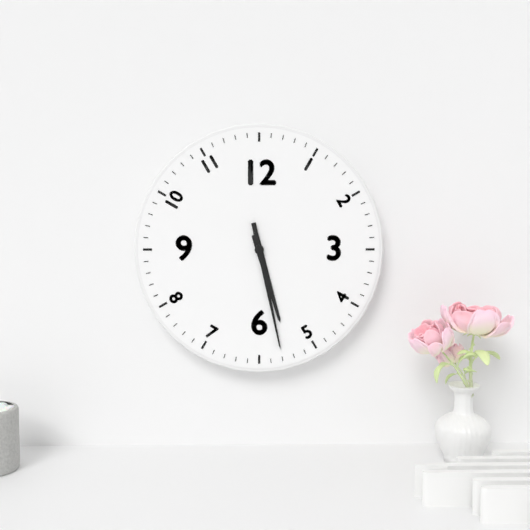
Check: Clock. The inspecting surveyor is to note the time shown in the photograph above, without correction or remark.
5:28
